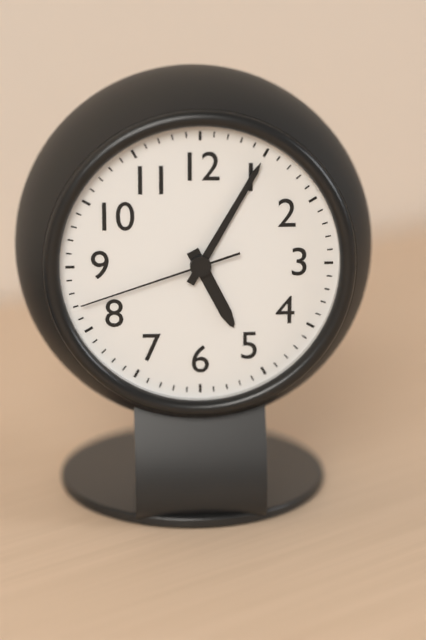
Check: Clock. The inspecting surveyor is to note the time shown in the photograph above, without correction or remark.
5:05:42
